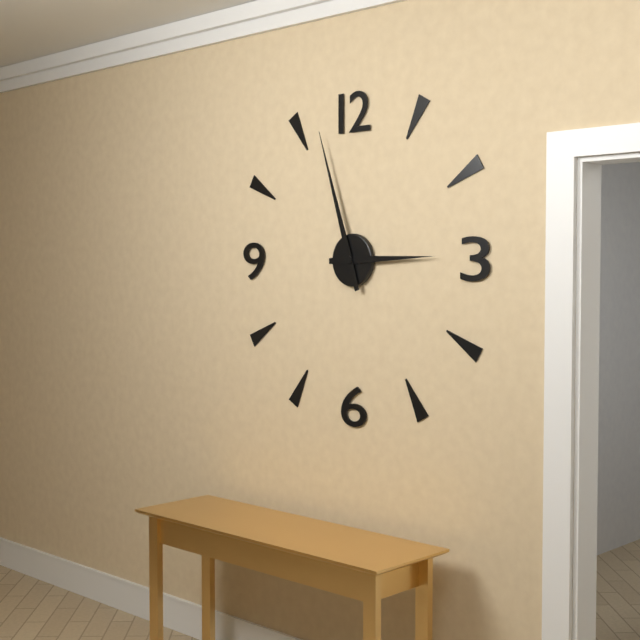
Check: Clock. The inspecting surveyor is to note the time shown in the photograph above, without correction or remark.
2:57
